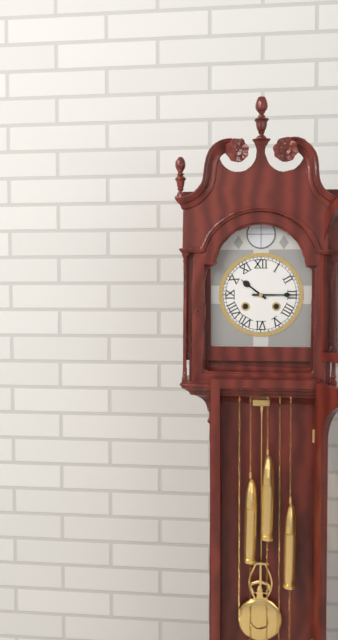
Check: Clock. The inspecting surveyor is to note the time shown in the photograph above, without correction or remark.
10:15
